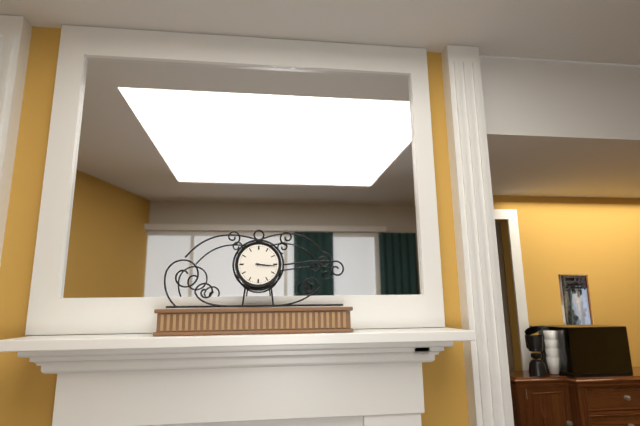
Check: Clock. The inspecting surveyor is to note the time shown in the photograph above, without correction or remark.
3:16
